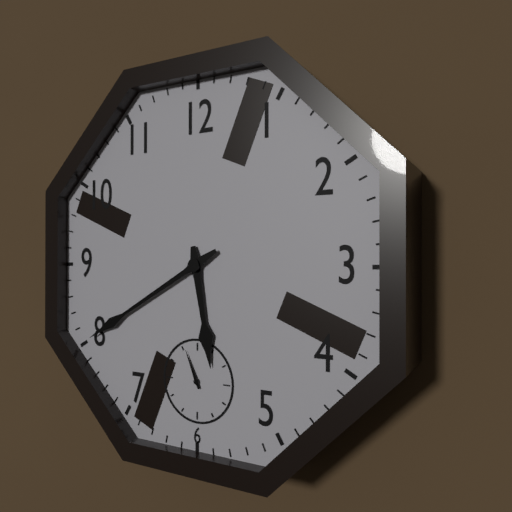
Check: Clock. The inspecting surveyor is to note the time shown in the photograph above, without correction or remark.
5:40
